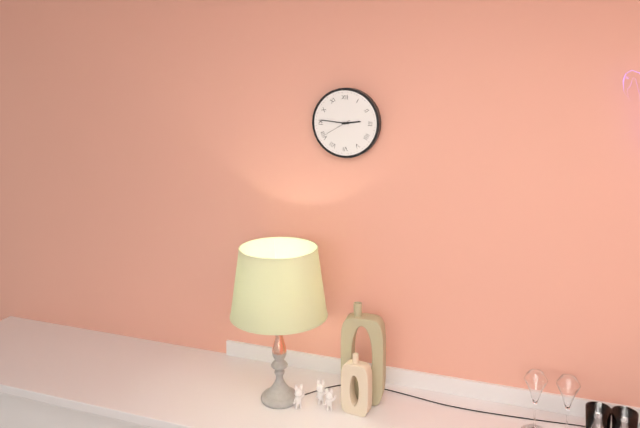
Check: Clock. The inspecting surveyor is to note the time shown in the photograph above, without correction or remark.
2:46
